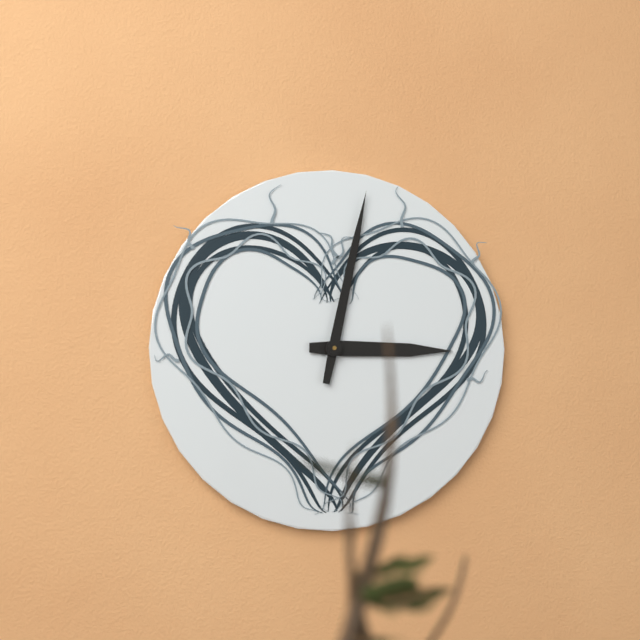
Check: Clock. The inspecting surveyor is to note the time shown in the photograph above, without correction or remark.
3:02
